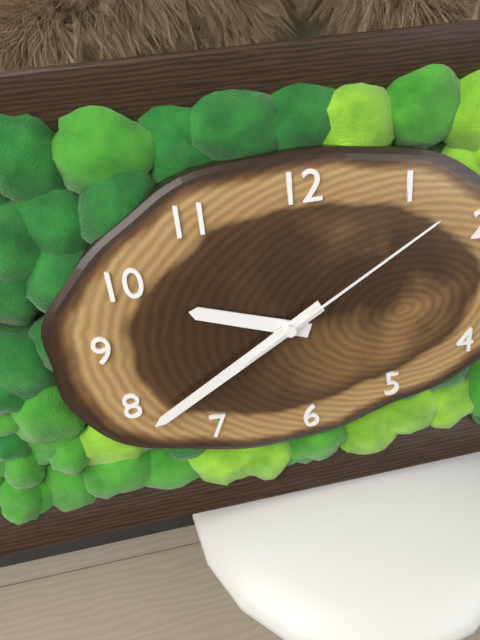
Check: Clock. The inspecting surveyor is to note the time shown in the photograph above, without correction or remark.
9:40:10
